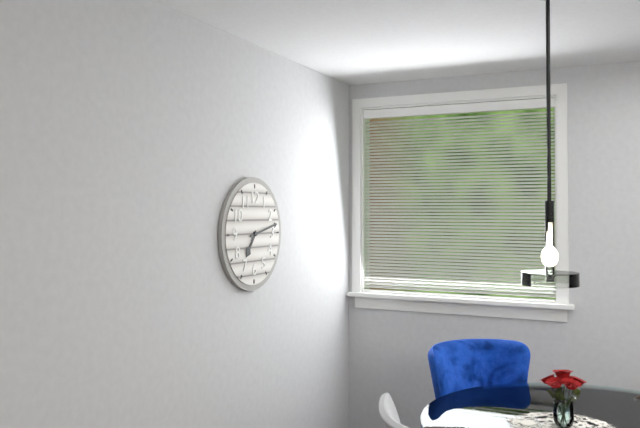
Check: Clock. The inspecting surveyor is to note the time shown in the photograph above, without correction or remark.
7:13
